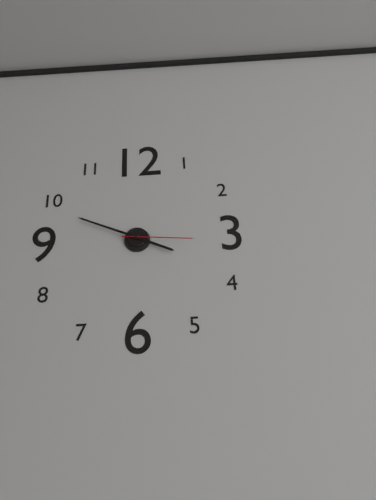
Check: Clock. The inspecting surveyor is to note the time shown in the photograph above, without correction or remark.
3:49:16
